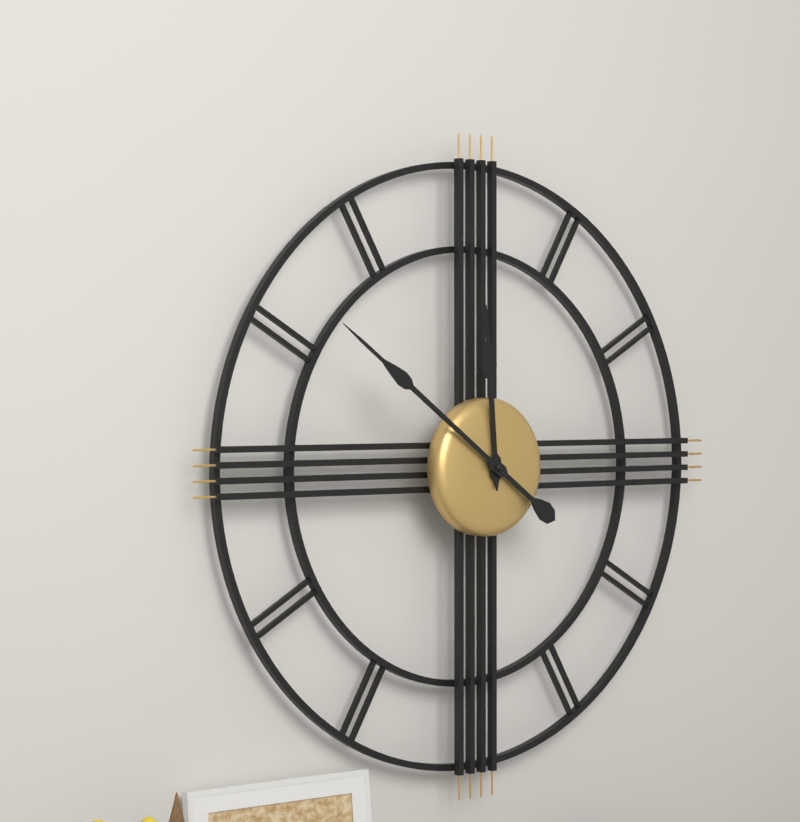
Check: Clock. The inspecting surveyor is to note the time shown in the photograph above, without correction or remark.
11:51
